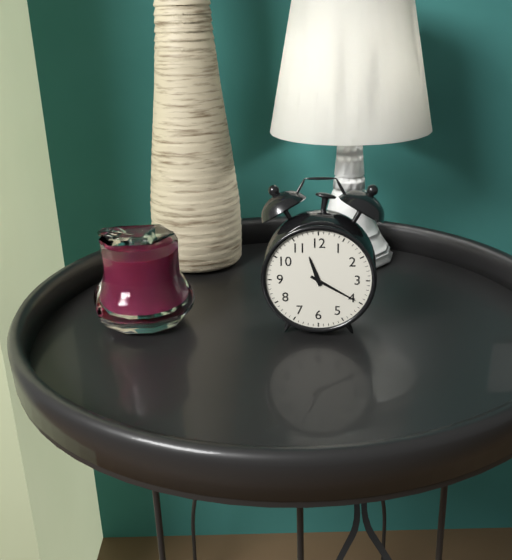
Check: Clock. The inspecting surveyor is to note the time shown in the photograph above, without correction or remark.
11:20
